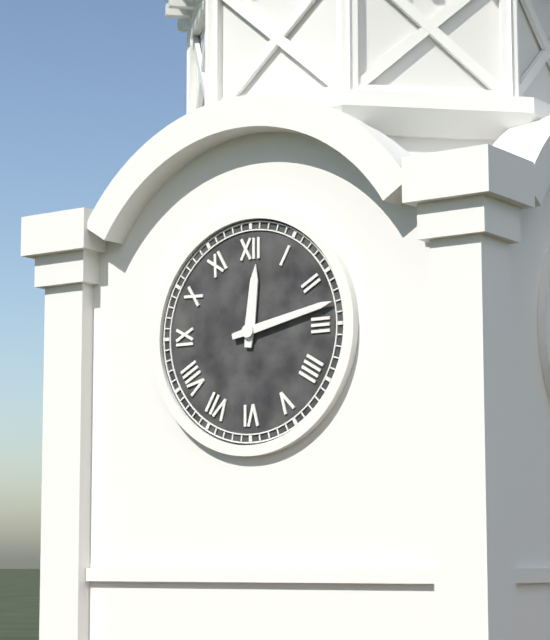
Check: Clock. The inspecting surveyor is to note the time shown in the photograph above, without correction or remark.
12:13
